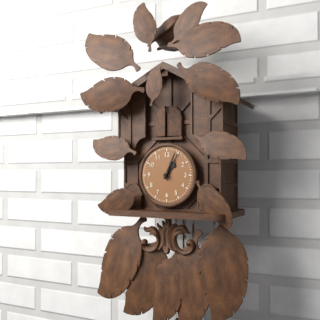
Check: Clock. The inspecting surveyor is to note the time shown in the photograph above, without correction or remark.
1:04
